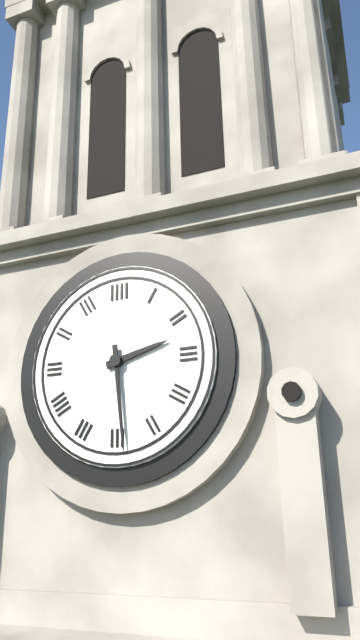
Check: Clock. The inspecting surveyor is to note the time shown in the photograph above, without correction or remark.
2:29
